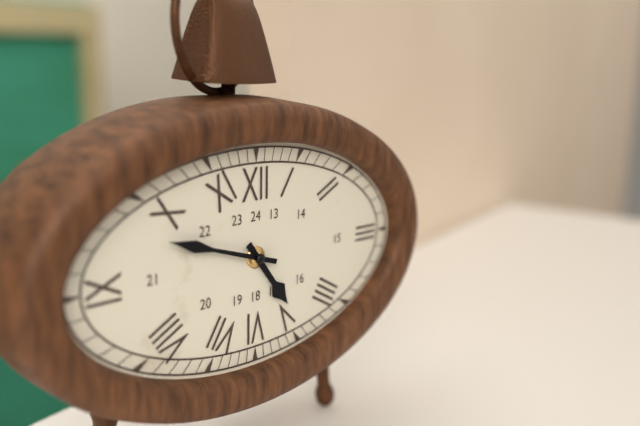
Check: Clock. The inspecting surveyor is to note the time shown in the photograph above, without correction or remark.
4:48
